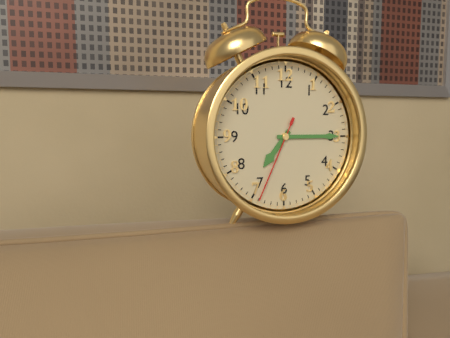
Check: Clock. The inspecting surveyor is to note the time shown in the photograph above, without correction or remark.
7:15:34
